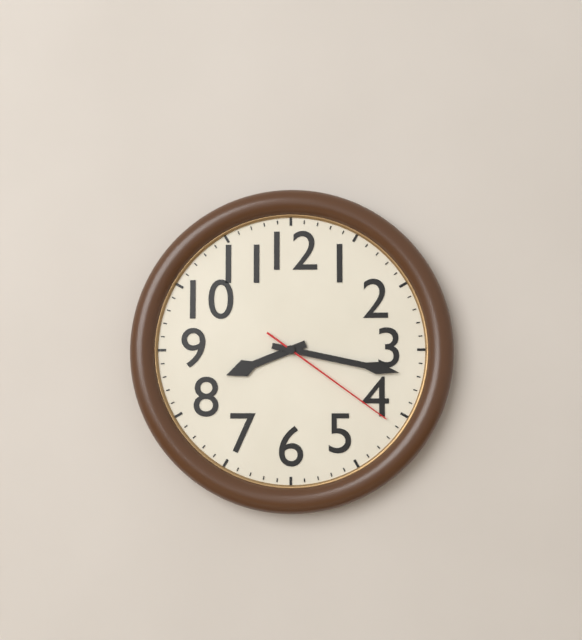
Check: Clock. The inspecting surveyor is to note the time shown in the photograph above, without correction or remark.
8:17:21
